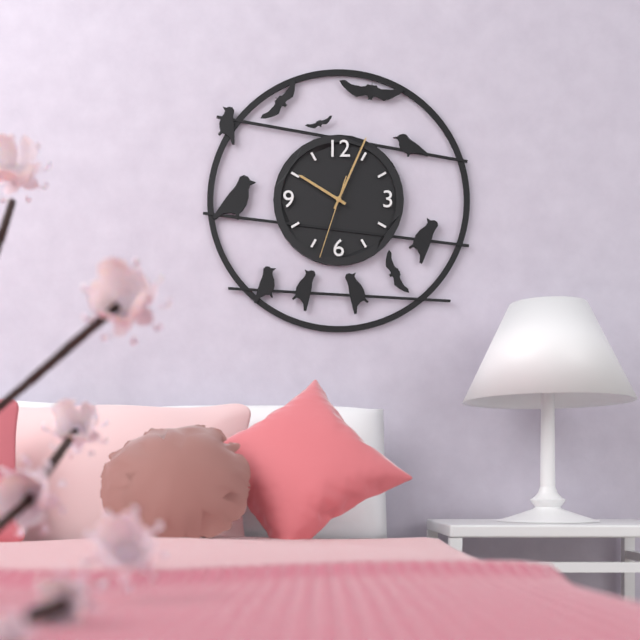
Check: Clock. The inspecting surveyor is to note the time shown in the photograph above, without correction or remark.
10:04:33
